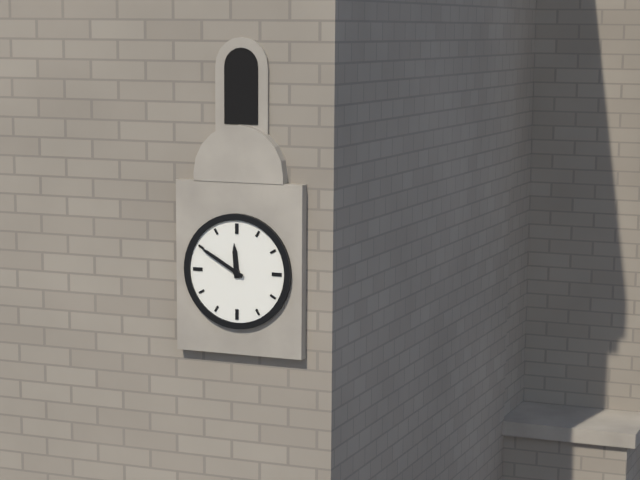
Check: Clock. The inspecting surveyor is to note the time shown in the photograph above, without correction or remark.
11:50
